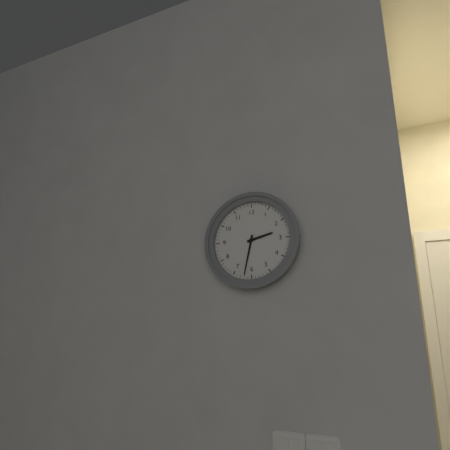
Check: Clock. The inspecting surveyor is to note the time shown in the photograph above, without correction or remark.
2:32
